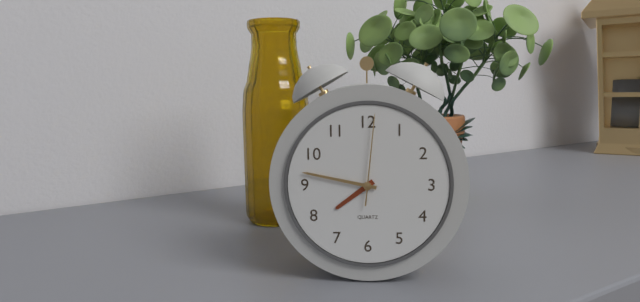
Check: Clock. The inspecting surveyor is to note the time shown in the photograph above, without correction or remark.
7:47:01
